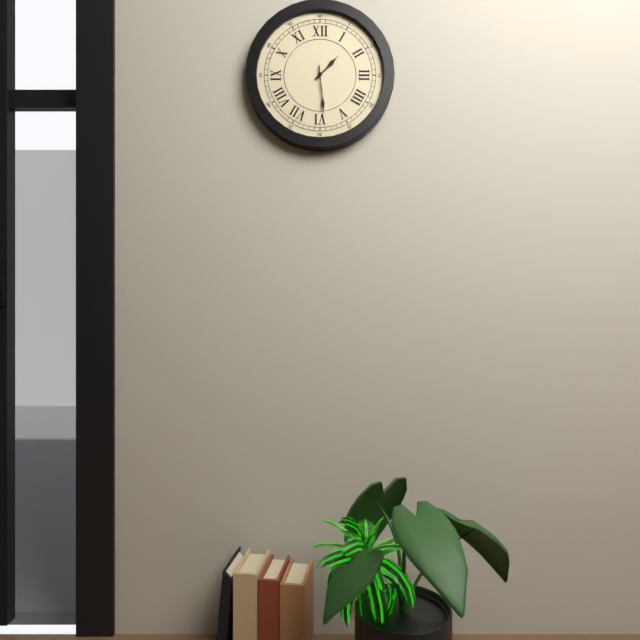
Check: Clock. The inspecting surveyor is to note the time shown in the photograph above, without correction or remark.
1:29
